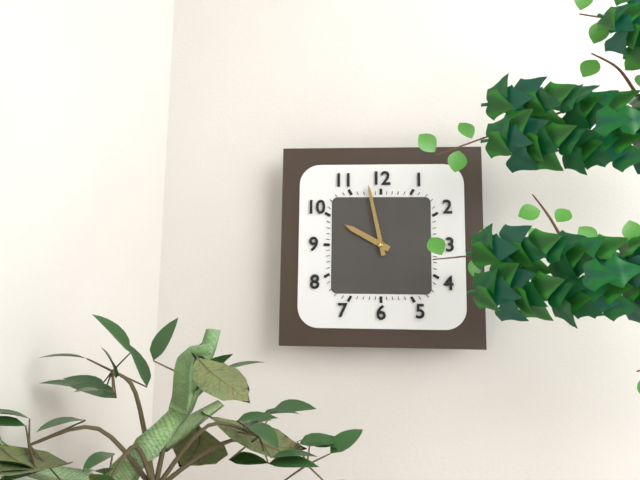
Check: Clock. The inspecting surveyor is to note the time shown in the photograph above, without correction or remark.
9:58
